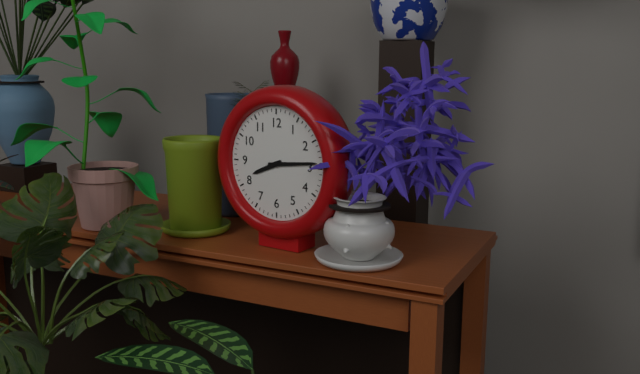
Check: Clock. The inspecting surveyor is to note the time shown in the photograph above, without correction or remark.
8:14
